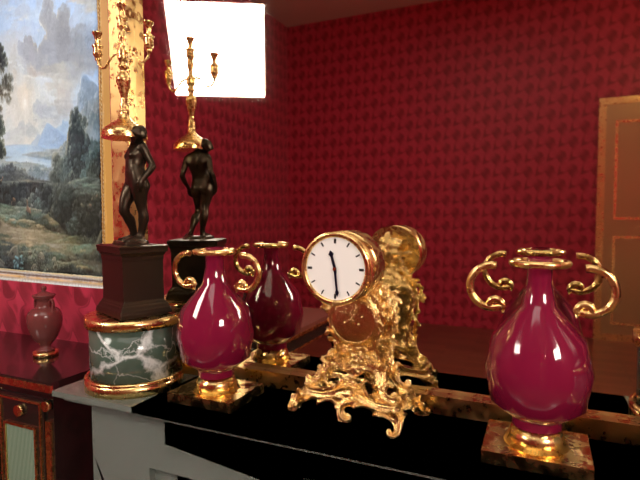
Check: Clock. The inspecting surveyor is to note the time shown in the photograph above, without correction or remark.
11:29
